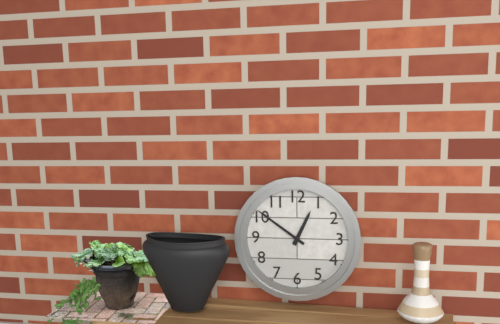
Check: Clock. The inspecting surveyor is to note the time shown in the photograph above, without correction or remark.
12:51
